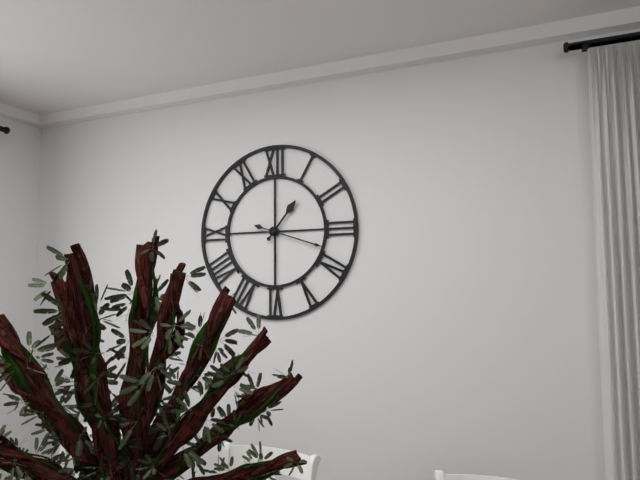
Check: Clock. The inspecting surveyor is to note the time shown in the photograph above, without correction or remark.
1:18
